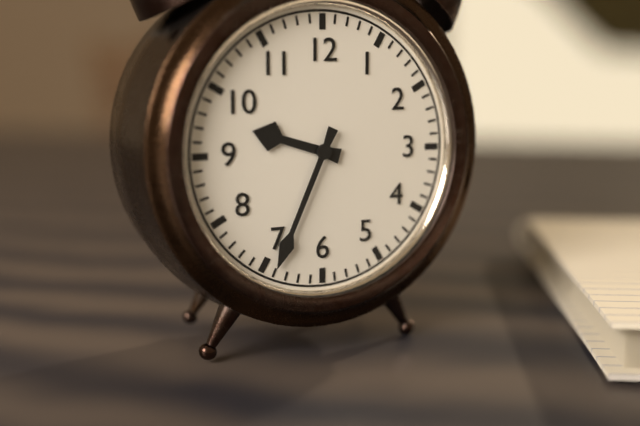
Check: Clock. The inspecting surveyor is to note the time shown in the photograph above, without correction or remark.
9:34
